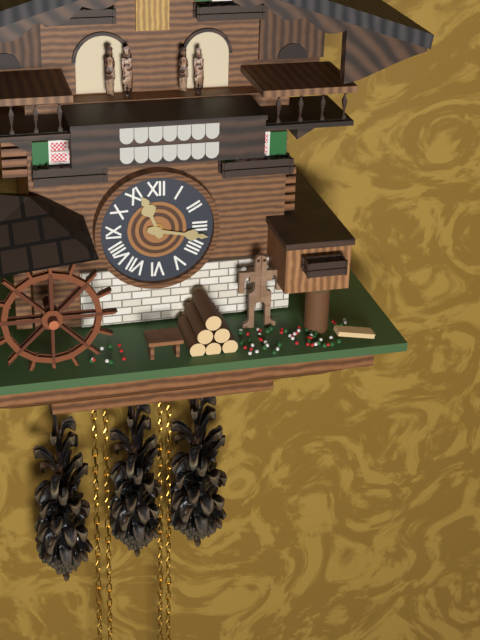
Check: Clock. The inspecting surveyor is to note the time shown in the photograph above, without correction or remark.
11:17
